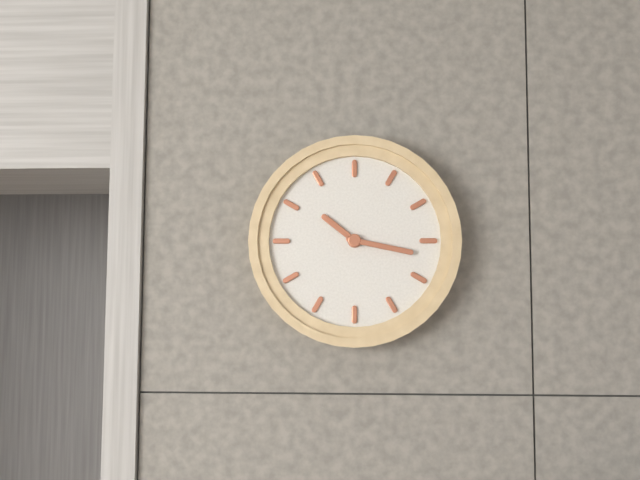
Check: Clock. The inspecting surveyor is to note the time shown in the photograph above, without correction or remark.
10:17
